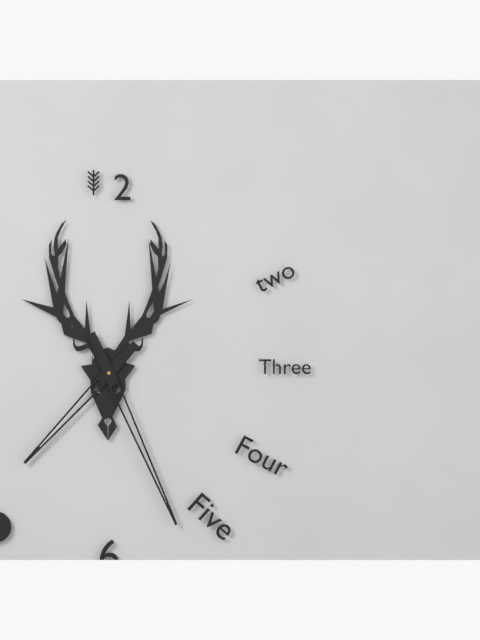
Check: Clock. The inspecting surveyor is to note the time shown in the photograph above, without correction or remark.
7:26
